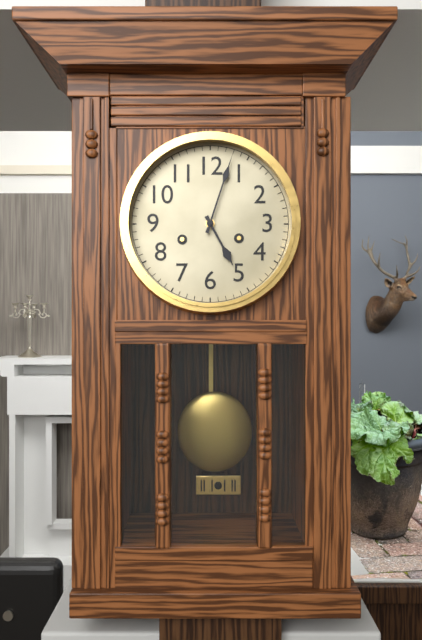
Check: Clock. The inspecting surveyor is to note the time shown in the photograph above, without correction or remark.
5:03
